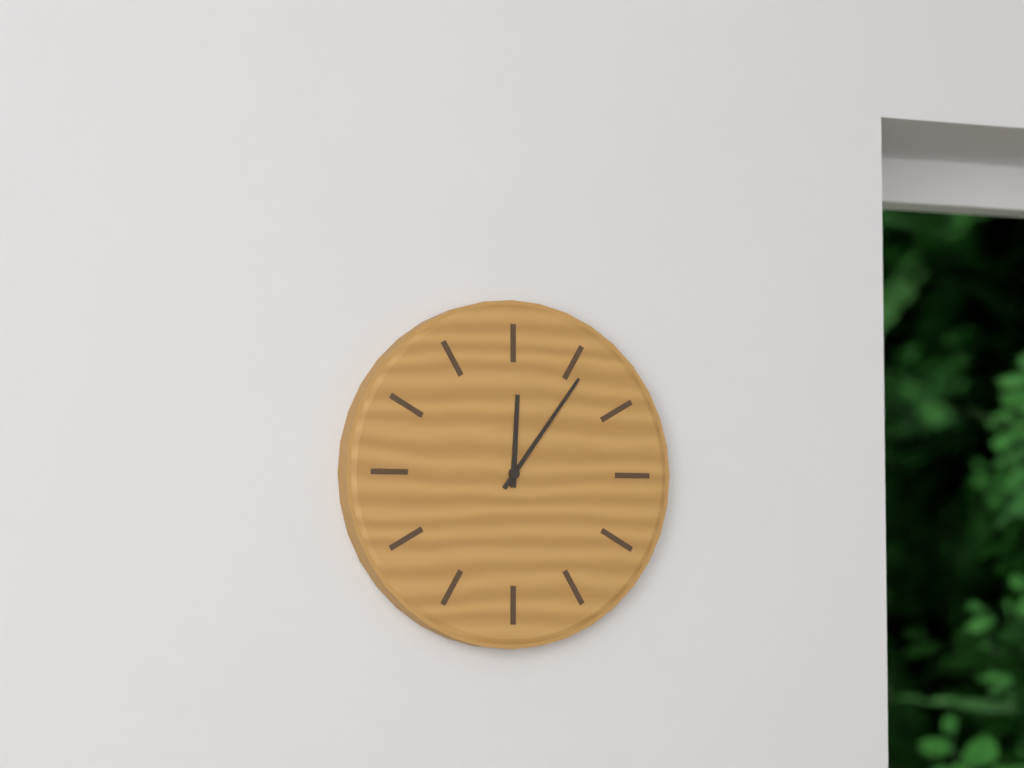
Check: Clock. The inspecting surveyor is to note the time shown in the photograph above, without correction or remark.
12:06
